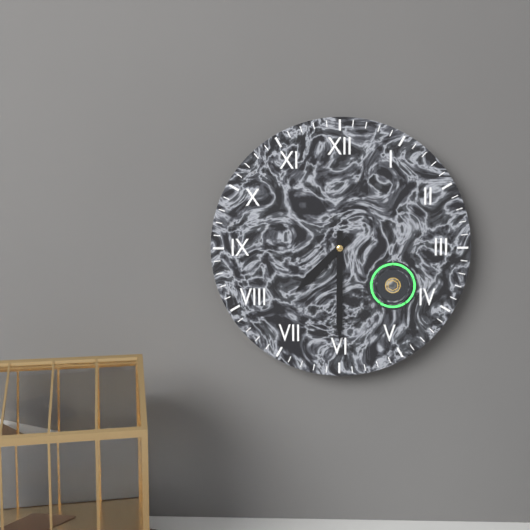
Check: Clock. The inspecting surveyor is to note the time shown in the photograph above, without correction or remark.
7:30
